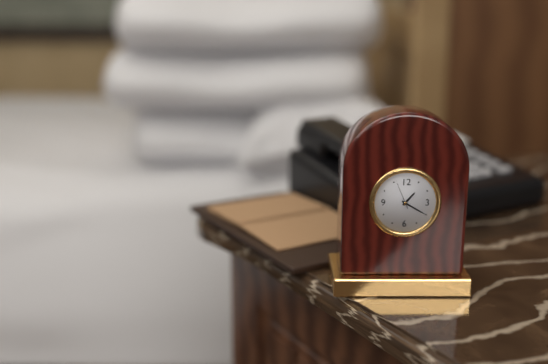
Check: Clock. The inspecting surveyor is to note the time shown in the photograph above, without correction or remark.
1:20
